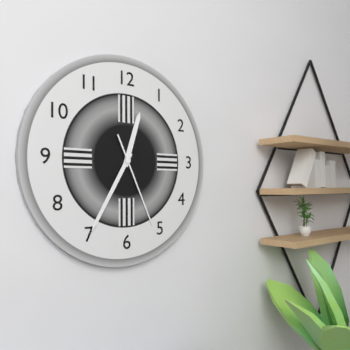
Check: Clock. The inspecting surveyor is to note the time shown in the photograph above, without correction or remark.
12:35:26
